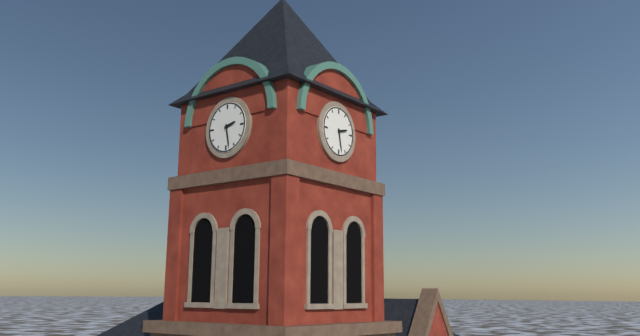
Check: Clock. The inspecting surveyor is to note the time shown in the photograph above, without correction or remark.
2:28
